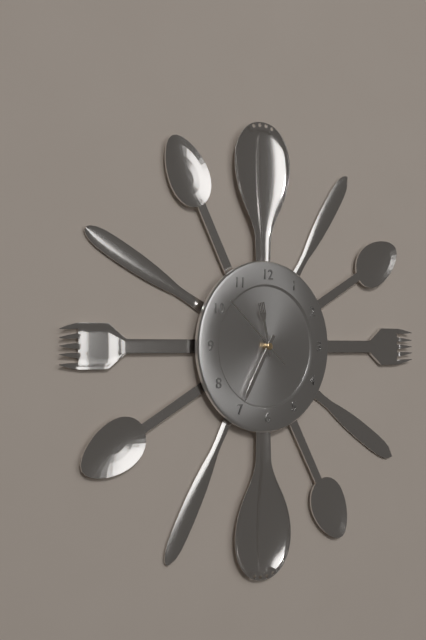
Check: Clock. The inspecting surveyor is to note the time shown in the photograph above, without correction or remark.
11:35:52
